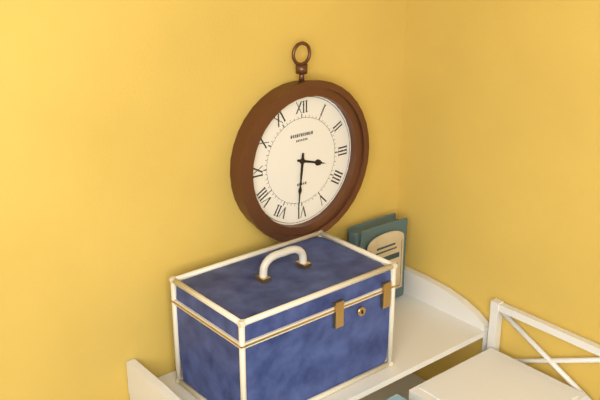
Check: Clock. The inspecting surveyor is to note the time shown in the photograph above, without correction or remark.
3:31
